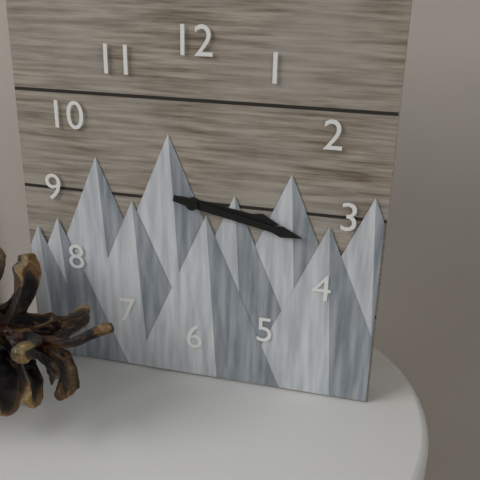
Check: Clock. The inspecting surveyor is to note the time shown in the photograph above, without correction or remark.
3:17
